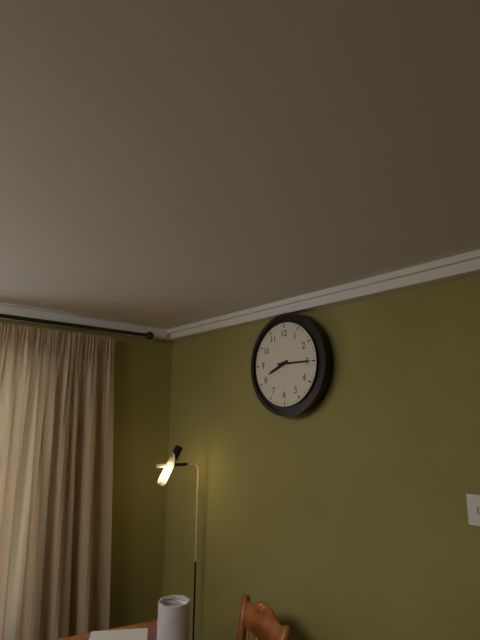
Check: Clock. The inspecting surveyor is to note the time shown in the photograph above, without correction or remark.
8:15
